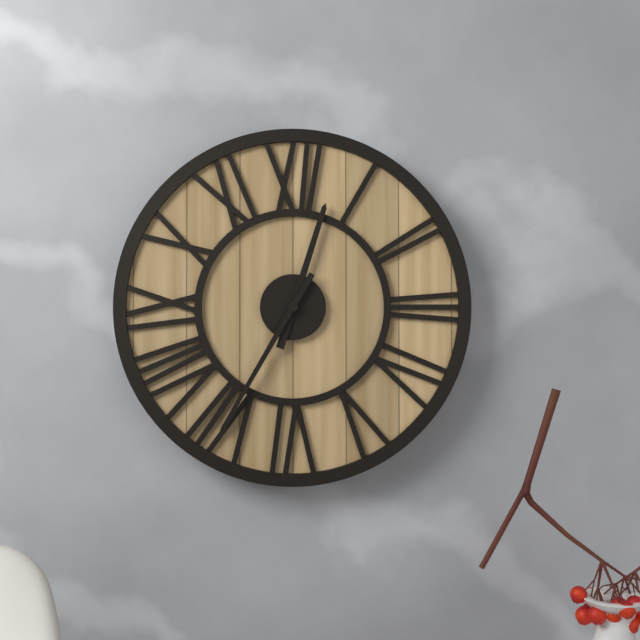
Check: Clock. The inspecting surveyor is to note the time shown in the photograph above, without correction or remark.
12:35
